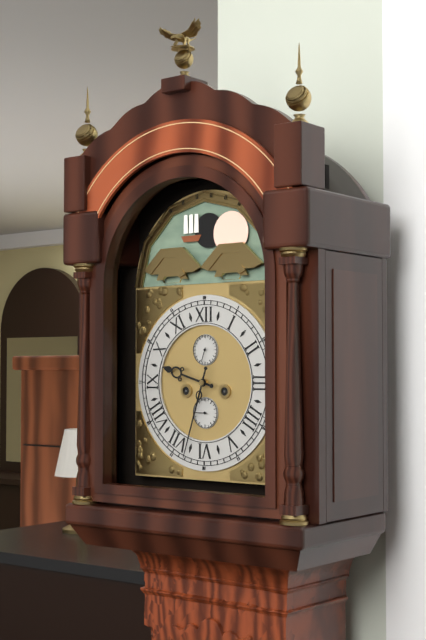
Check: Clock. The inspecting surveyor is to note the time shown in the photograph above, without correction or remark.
9:33
